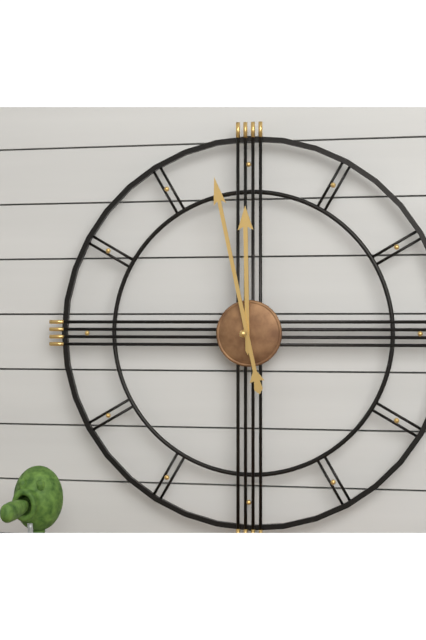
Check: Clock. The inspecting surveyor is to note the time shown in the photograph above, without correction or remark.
11:58
